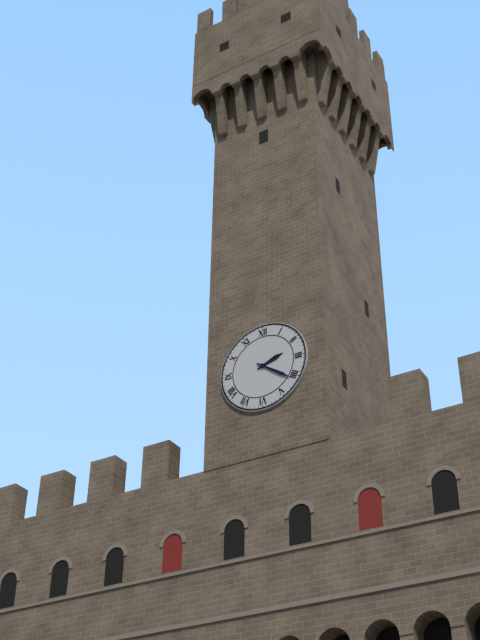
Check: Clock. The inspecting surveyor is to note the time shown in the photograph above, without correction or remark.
2:21
